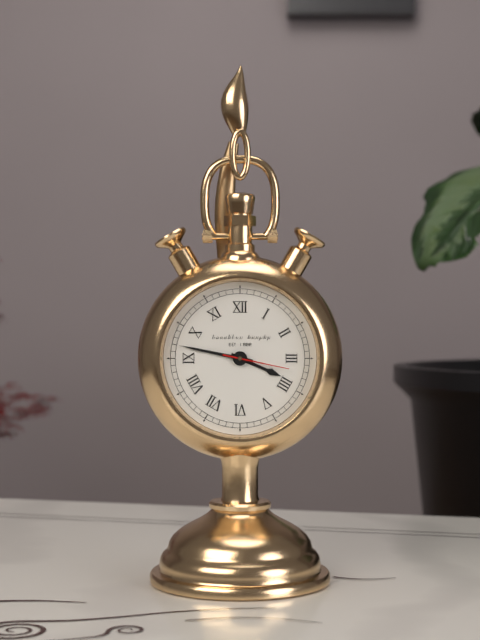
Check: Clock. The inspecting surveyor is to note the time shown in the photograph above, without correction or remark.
3:47:17
